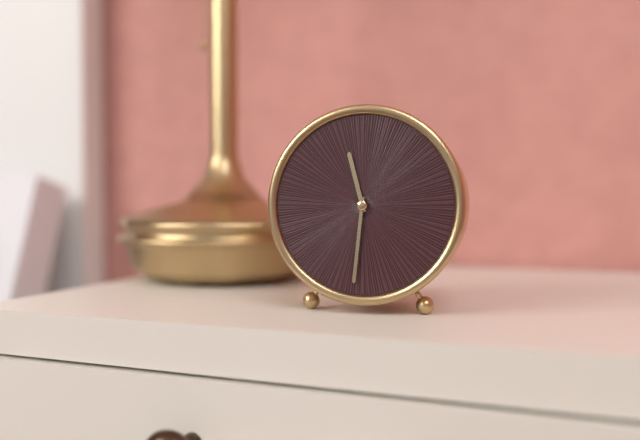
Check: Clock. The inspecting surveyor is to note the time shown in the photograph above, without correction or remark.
11:31
